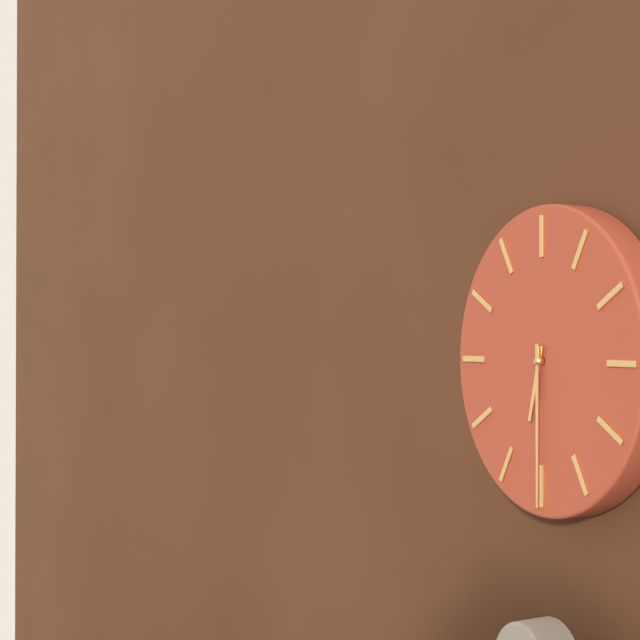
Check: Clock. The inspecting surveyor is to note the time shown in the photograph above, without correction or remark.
6:30
